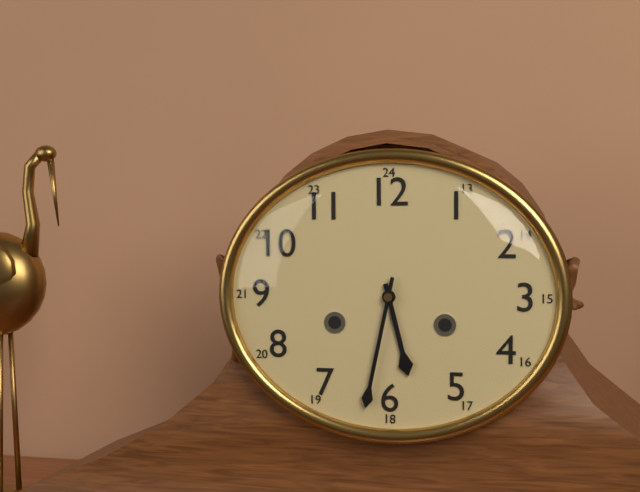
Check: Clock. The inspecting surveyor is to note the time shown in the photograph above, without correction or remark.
5:32
